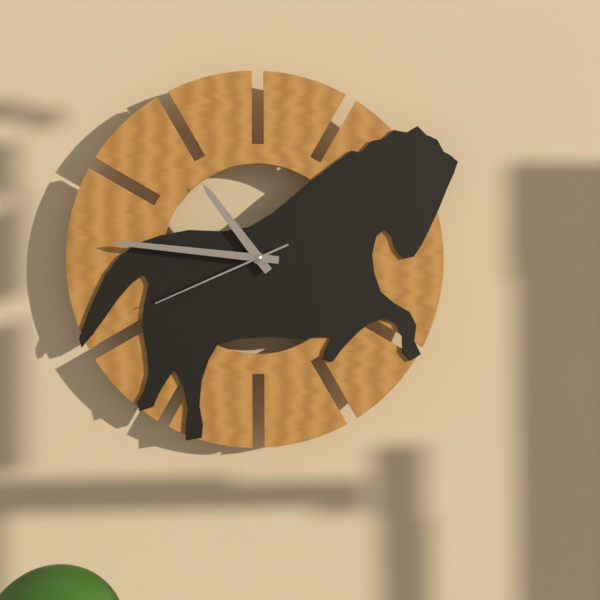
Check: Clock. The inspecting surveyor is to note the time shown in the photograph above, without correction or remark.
10:46:41
